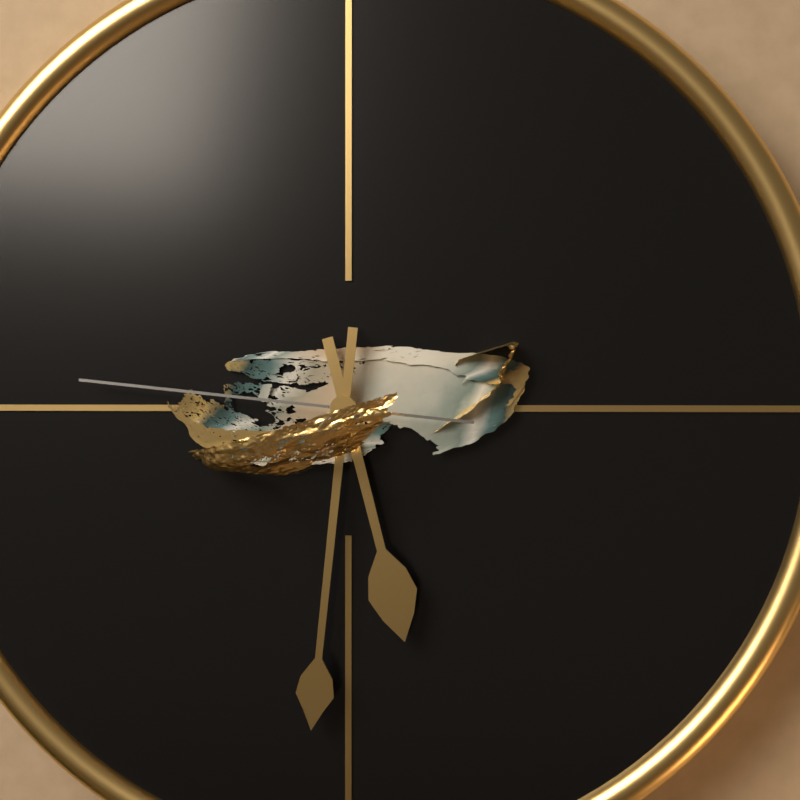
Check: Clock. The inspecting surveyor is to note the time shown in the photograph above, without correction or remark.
5:31:46
